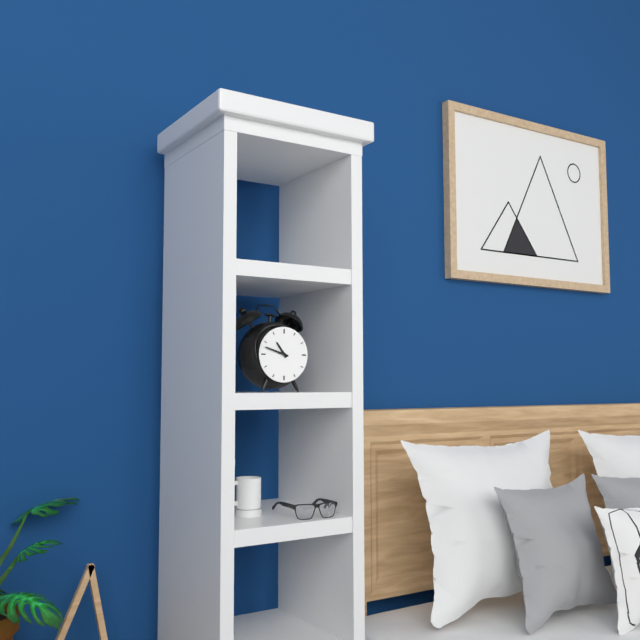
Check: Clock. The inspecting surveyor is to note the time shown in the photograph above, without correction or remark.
10:48
